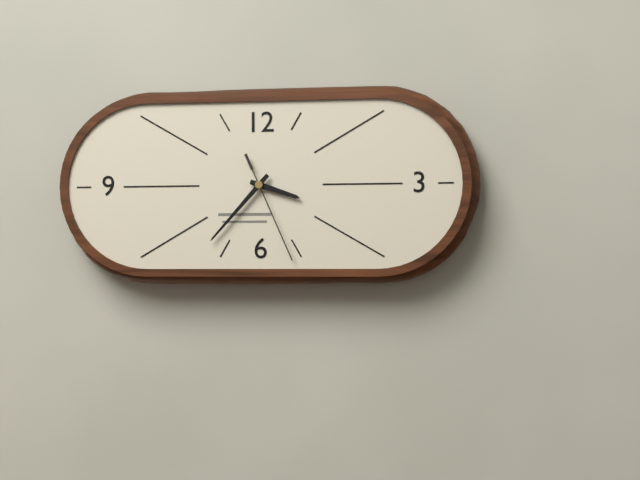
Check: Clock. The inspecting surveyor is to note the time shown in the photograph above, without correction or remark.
3:37:26
